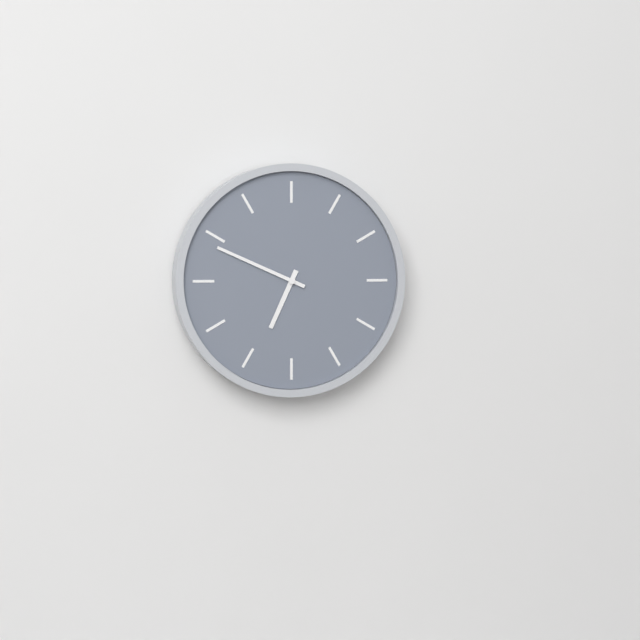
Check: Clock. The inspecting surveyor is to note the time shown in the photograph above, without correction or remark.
6:49
